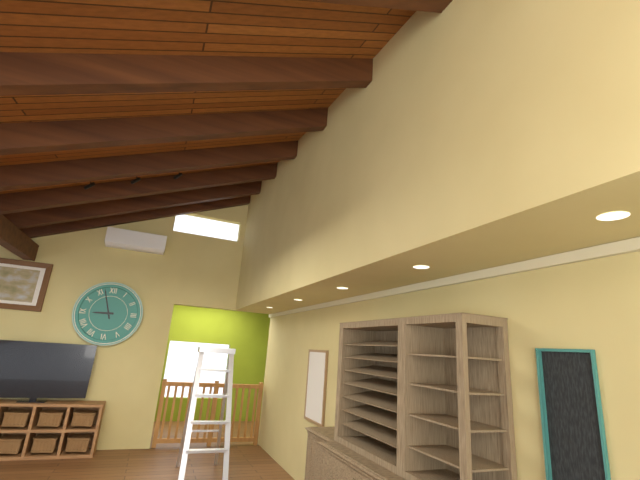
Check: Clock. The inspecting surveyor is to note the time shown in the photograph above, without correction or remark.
8:57
